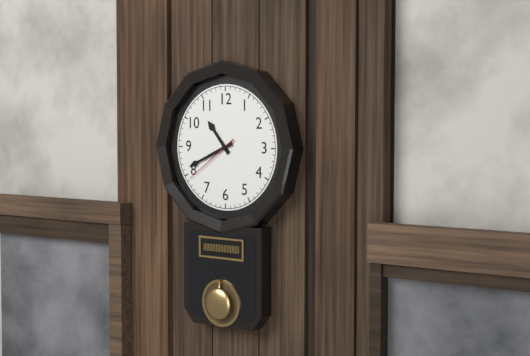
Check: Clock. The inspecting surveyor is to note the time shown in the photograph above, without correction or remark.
10:41:39
